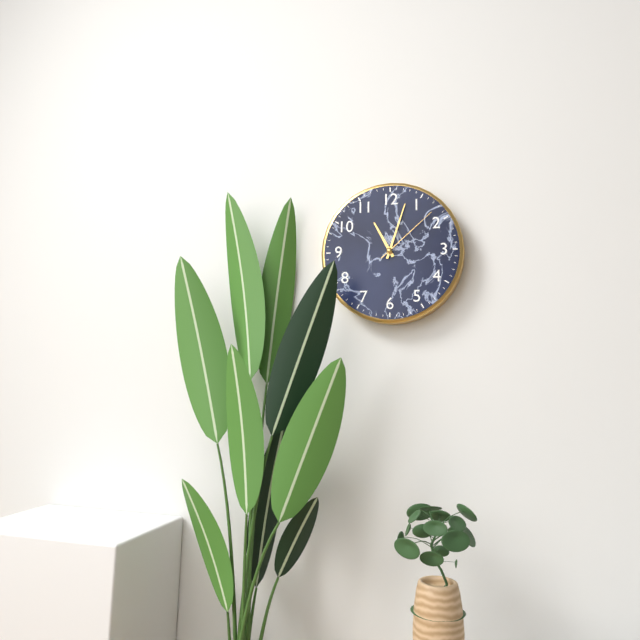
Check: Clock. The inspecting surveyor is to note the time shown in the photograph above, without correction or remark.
11:03:08
